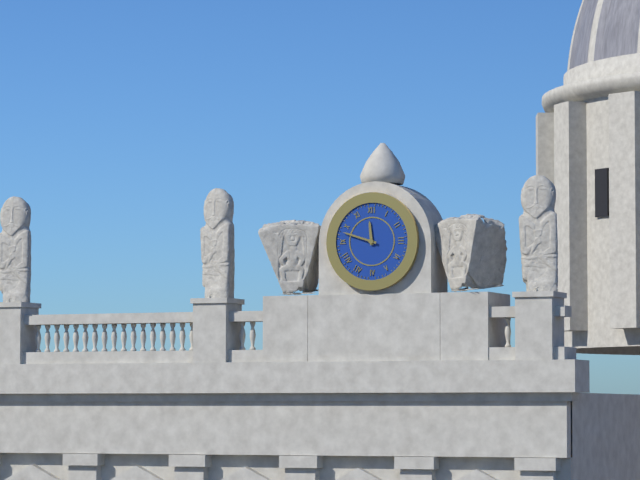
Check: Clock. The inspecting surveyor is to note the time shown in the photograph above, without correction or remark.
11:48
